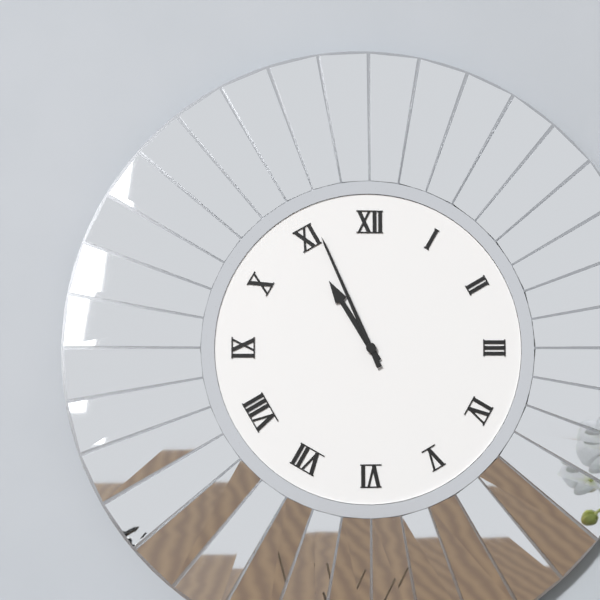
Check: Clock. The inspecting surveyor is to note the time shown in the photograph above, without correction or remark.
10:56
